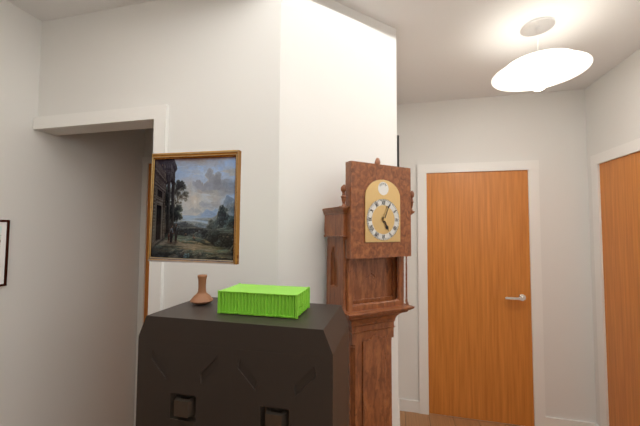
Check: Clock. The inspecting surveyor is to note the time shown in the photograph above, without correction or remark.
5:04
